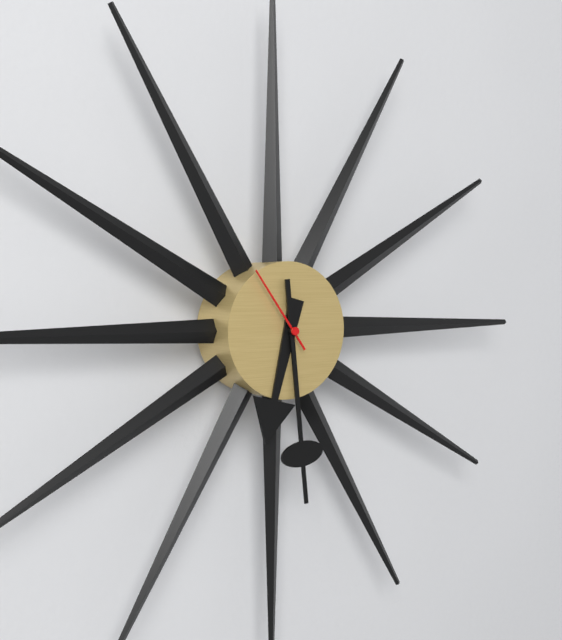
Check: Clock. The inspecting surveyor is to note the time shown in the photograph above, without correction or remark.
6:29:54
